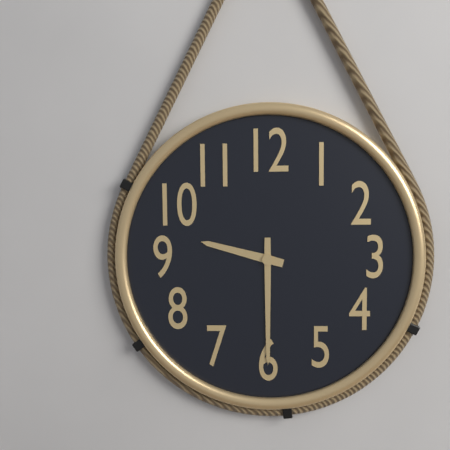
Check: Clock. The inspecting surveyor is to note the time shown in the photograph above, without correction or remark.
9:30
